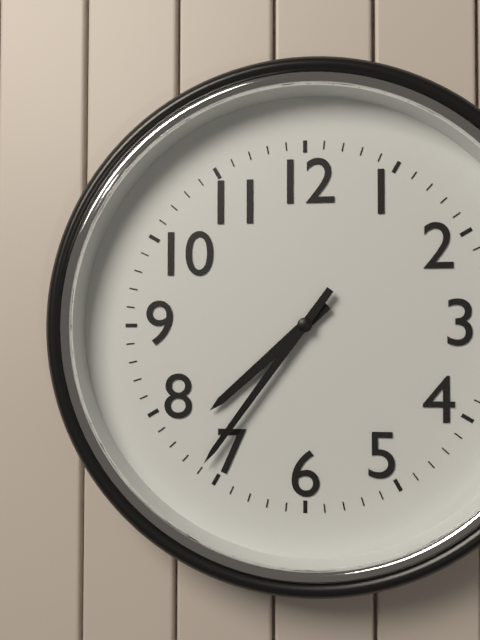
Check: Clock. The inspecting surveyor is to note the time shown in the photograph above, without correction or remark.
7:36
